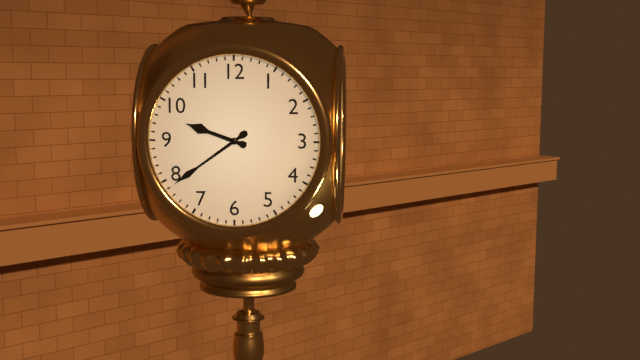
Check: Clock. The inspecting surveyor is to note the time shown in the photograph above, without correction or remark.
9:39
